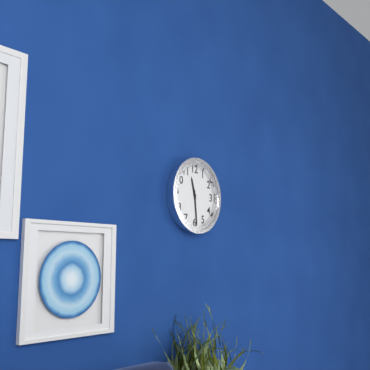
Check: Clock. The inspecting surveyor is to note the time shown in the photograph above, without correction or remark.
11:29
